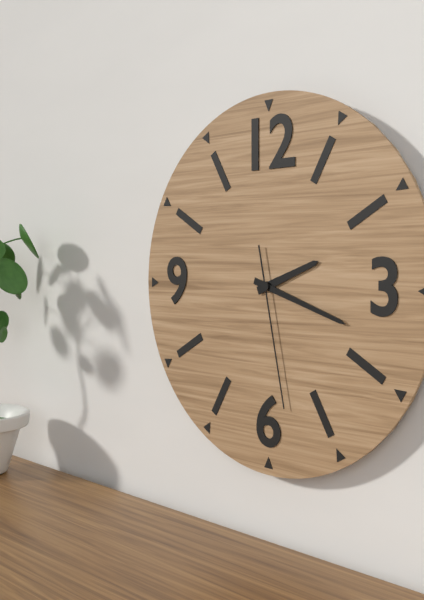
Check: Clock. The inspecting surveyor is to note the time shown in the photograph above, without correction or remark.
2:18:28
